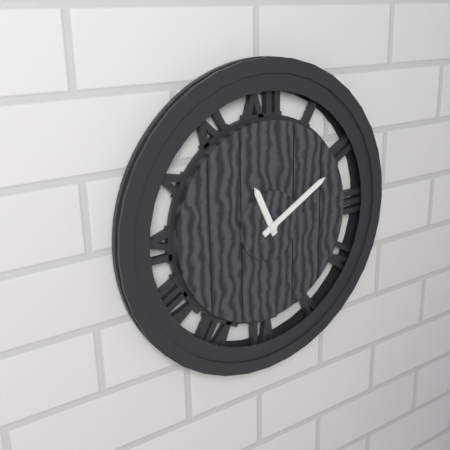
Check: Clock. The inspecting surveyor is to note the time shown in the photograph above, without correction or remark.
11:10
